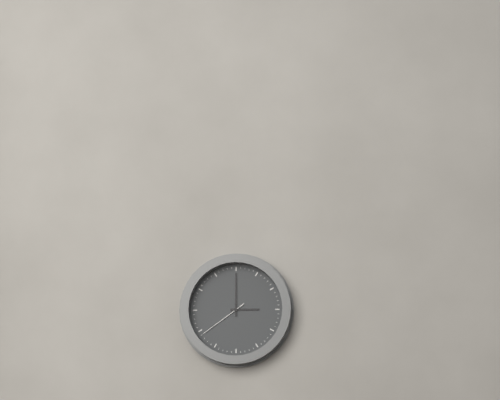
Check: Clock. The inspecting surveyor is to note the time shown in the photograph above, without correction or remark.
3:00:39
